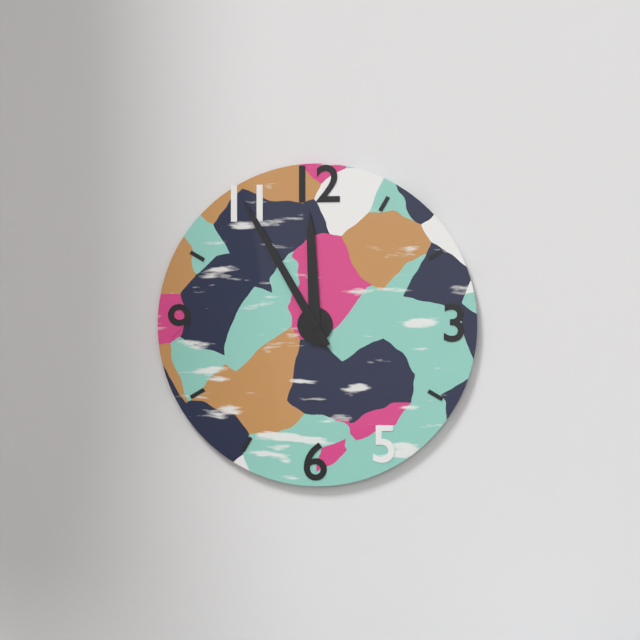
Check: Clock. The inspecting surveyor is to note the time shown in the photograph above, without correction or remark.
11:55
